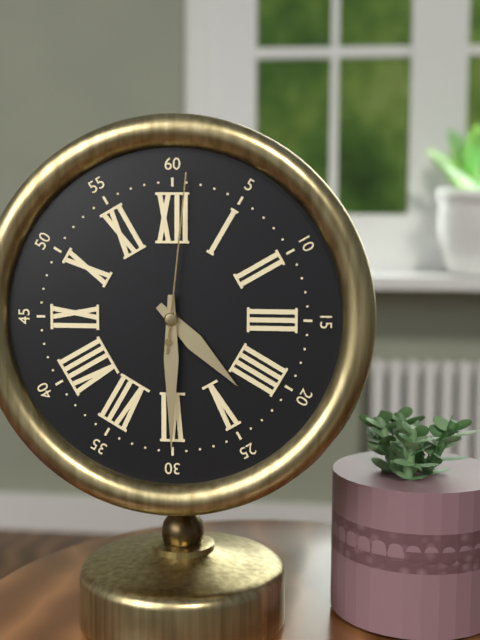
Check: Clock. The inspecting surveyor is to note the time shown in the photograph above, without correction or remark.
4:30:01
